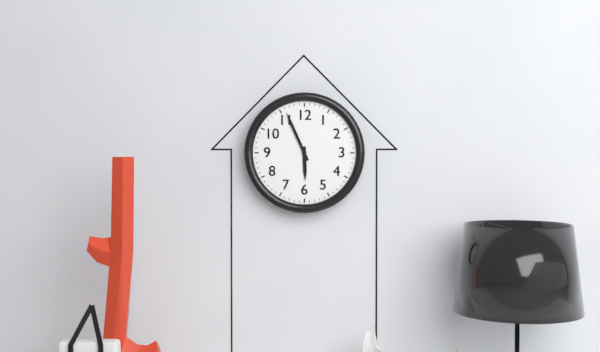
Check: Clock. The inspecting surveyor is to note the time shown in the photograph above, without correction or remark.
5:56
